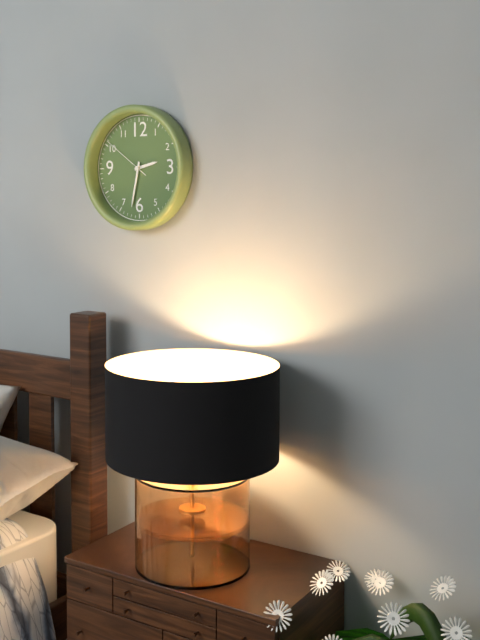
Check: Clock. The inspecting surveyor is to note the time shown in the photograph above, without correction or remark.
2:32:51
